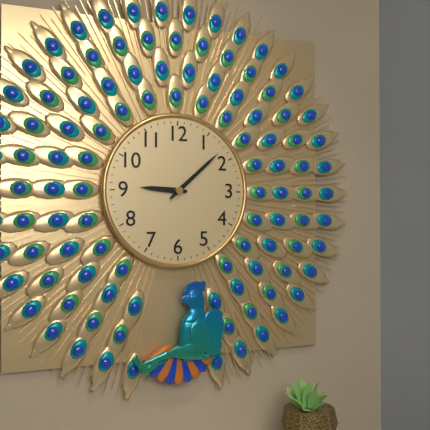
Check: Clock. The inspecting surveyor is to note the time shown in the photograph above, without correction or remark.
9:08
